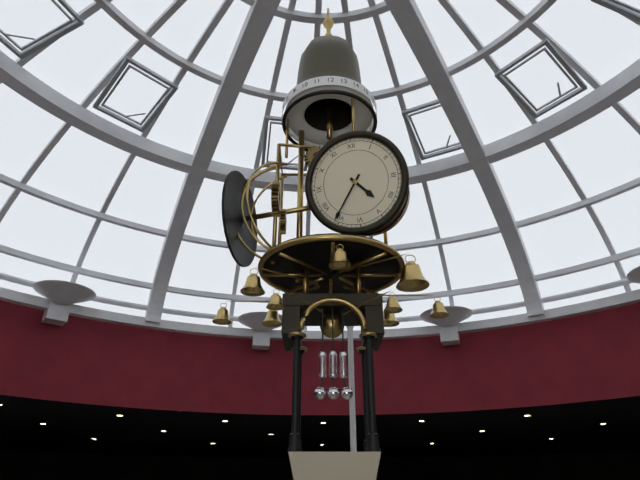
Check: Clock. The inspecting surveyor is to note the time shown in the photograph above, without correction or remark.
4:36
